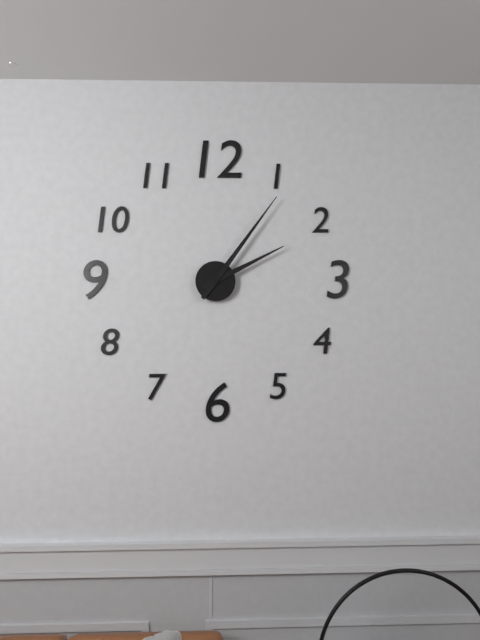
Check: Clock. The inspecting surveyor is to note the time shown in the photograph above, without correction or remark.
2:06
